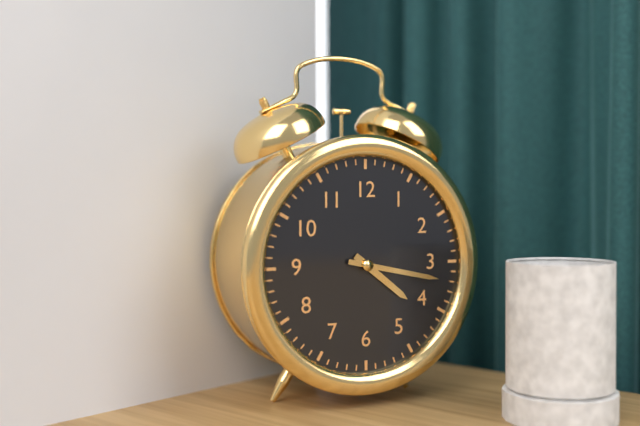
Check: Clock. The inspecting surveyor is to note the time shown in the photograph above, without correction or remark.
4:17
